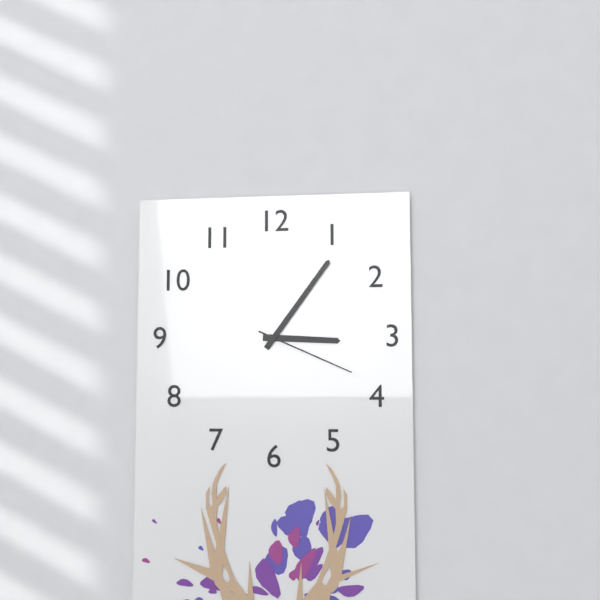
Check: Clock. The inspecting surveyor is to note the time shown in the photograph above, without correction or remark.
3:06:19
